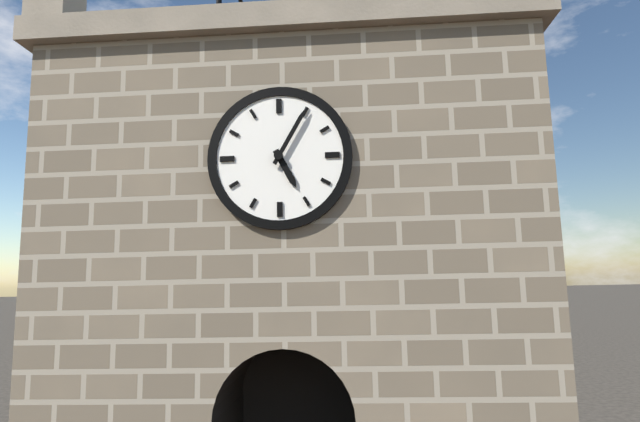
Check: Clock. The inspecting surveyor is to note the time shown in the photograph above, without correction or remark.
5:05
